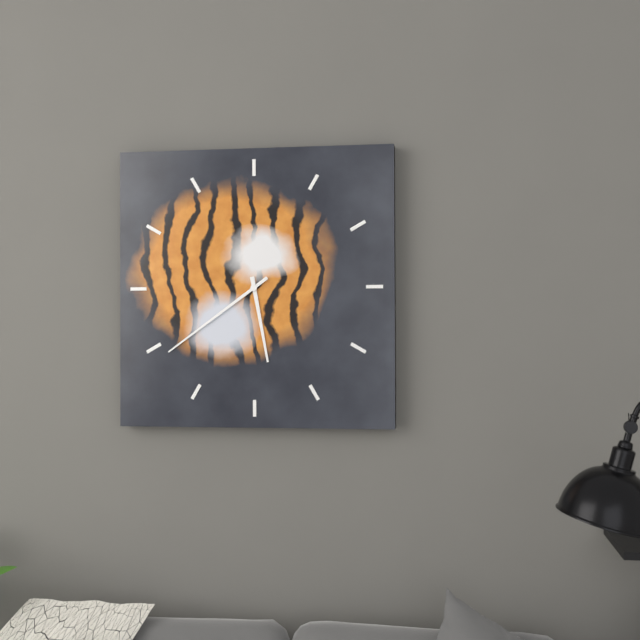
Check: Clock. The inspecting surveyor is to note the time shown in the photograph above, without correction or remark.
5:39
